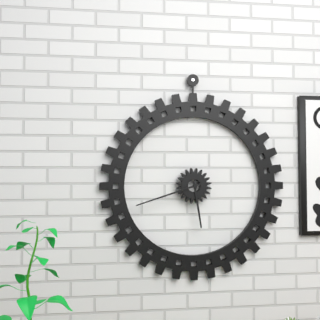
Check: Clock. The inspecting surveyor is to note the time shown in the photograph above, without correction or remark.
5:42
